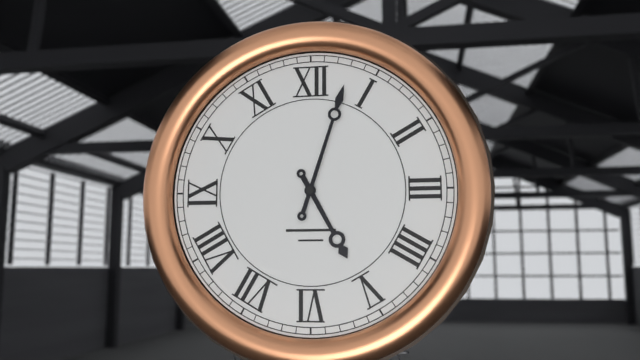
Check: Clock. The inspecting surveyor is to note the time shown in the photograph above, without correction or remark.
5:03
